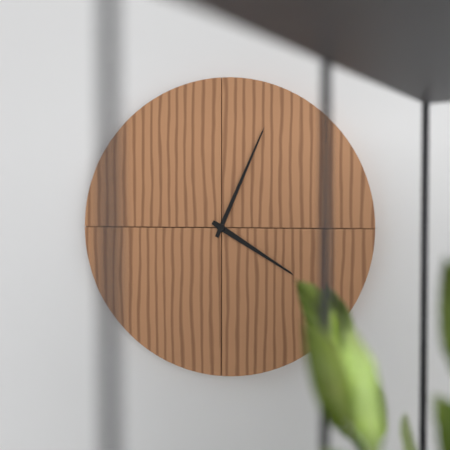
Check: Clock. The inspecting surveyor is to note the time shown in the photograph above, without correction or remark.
4:04
